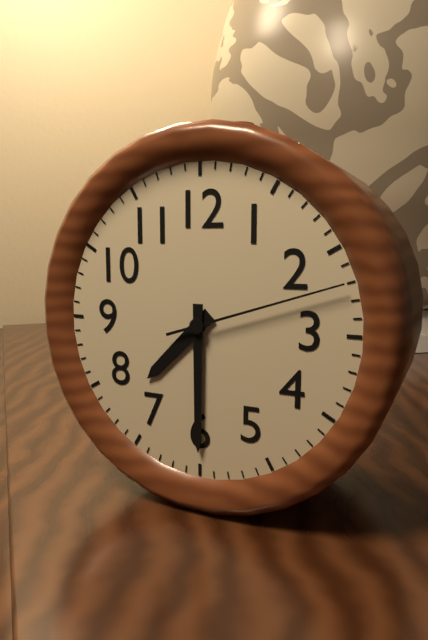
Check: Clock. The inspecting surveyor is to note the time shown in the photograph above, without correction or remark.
7:30:12
